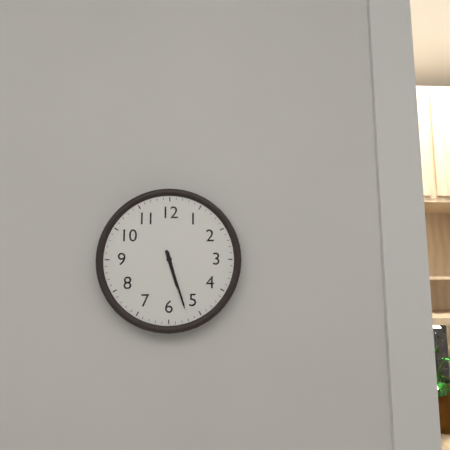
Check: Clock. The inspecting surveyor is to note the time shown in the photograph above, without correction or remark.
5:27
